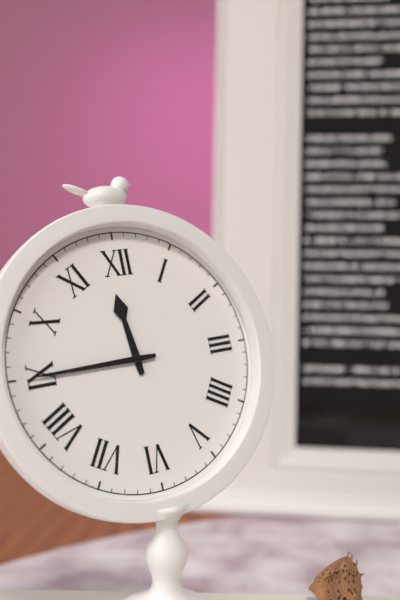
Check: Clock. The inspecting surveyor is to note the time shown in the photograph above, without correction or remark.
11:45
